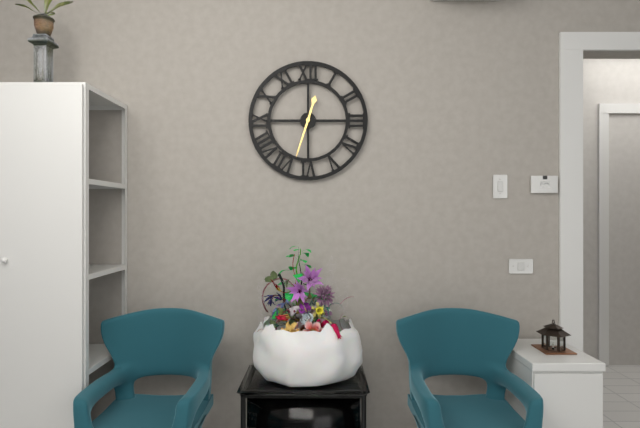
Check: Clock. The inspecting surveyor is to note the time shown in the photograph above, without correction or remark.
12:33
